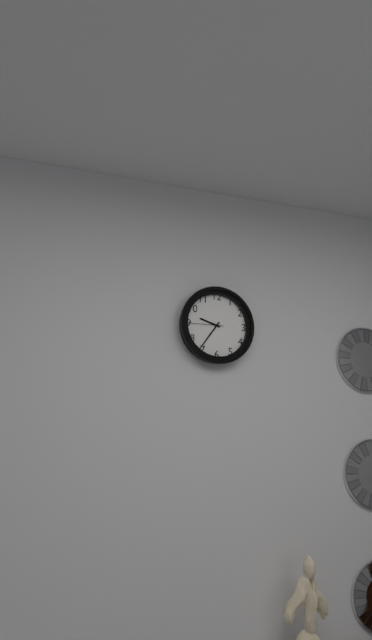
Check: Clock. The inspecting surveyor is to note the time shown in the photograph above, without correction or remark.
9:36
